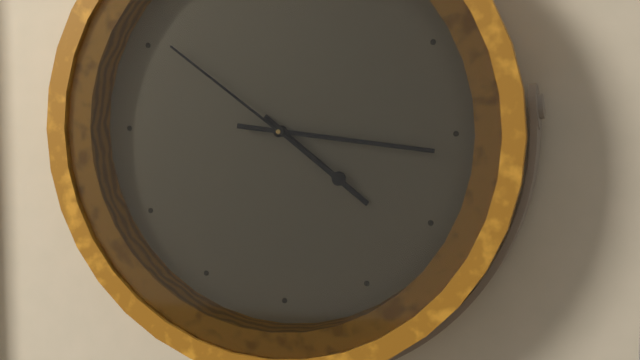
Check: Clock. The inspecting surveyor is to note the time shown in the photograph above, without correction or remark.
4:16:51
